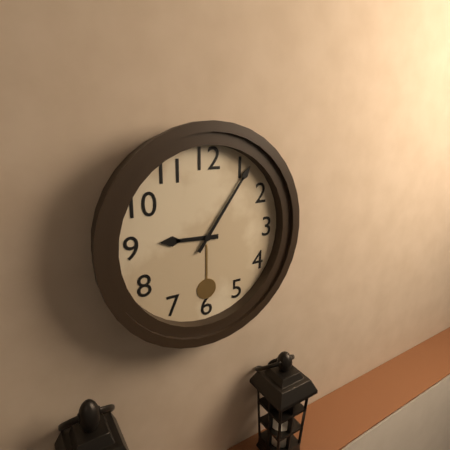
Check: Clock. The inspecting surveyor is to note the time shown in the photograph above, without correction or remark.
9:06
